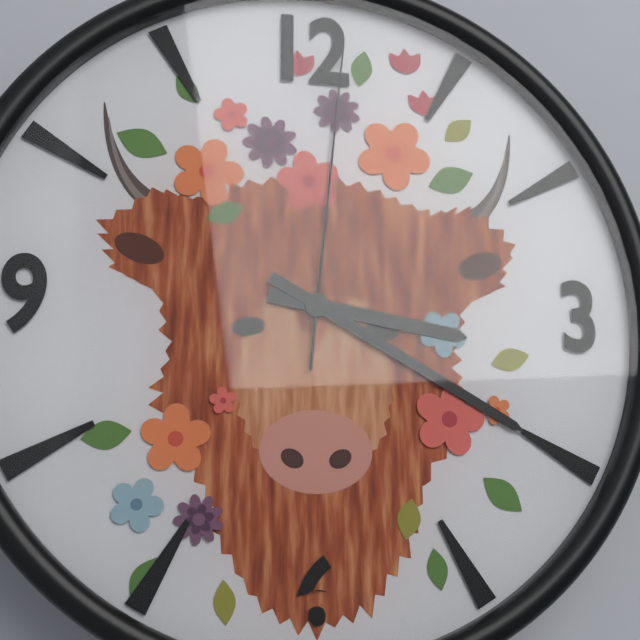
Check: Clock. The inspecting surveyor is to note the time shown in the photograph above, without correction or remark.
3:20:01
